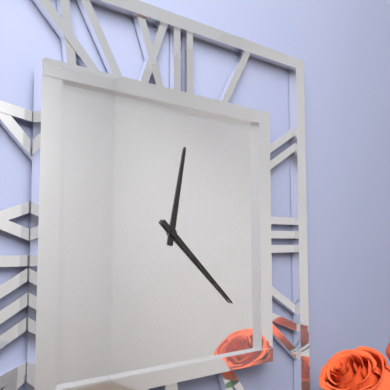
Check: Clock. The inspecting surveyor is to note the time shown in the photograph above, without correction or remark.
12:22
